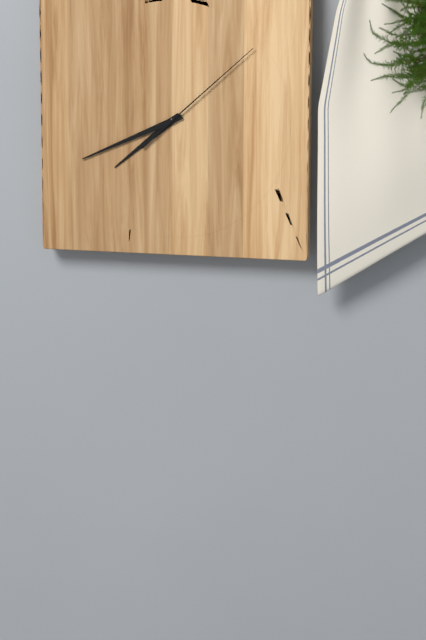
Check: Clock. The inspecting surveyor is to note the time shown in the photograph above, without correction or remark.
7:41:08
